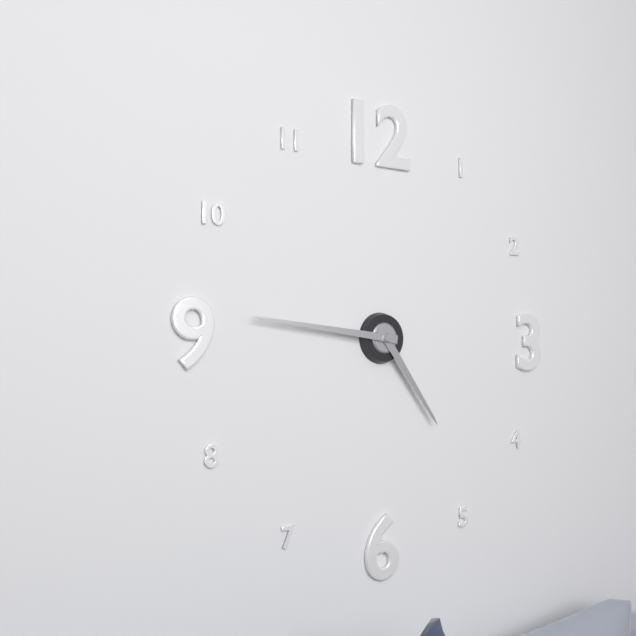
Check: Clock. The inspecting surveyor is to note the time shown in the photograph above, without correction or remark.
4:46
